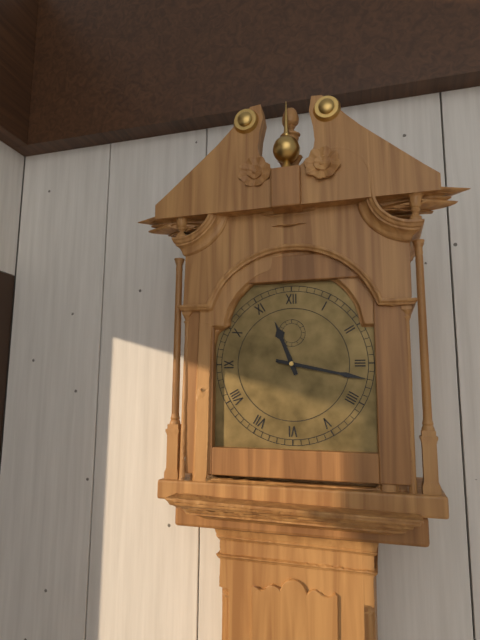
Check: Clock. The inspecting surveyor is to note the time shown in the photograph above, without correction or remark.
11:17
